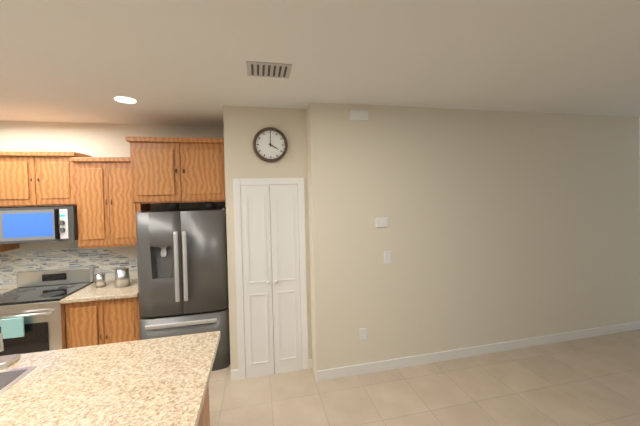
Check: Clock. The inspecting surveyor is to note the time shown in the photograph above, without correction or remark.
4:00
